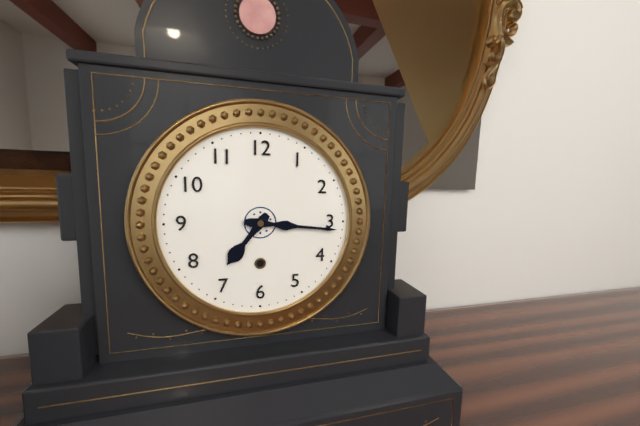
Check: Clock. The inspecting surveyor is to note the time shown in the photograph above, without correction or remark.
7:16
